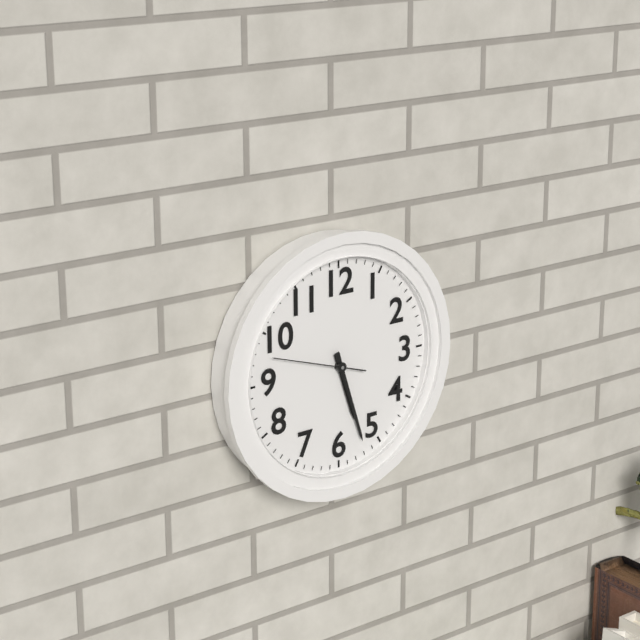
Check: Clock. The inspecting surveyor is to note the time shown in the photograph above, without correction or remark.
5:27:48
